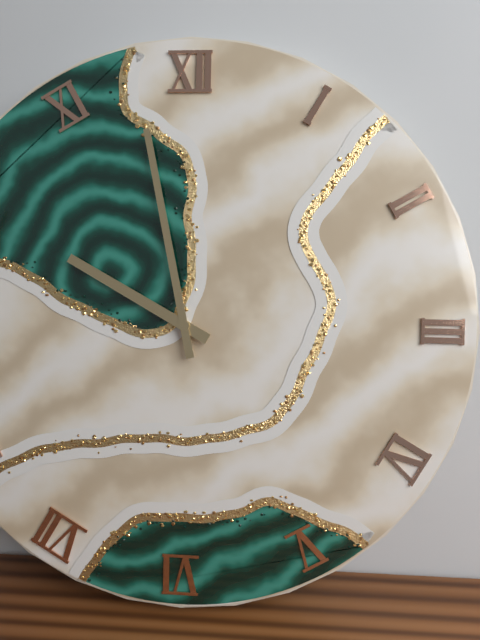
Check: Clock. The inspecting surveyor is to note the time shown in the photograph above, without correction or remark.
9:58
